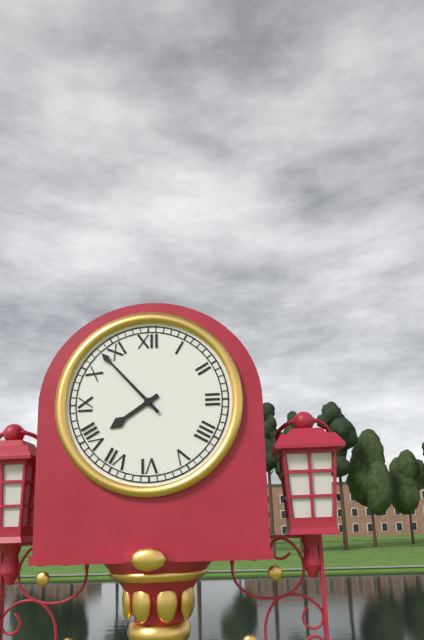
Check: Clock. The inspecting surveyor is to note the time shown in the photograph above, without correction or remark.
7:53
